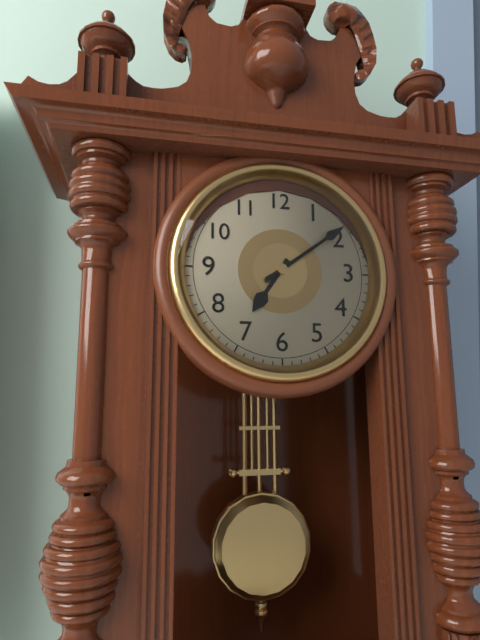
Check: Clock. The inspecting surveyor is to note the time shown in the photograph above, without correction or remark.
7:09
